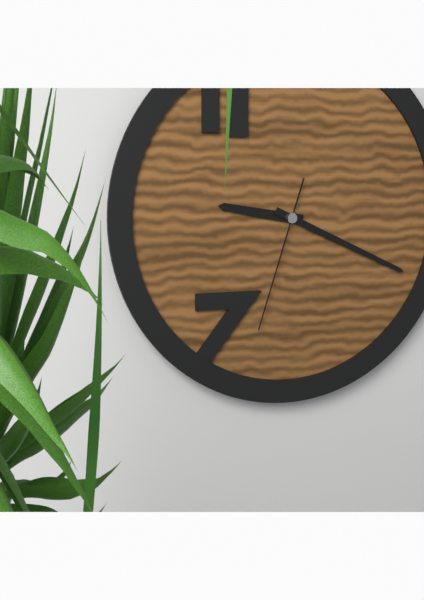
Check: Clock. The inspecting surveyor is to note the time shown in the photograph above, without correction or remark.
9:19:33
